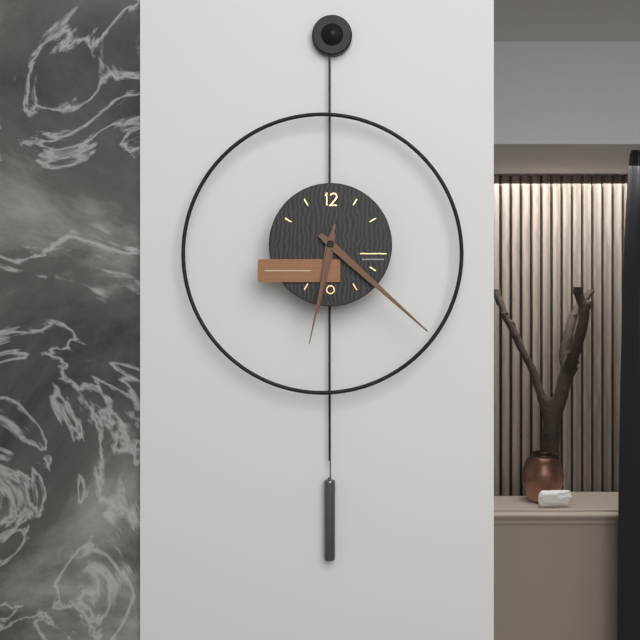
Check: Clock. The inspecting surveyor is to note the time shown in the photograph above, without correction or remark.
6:22:32
